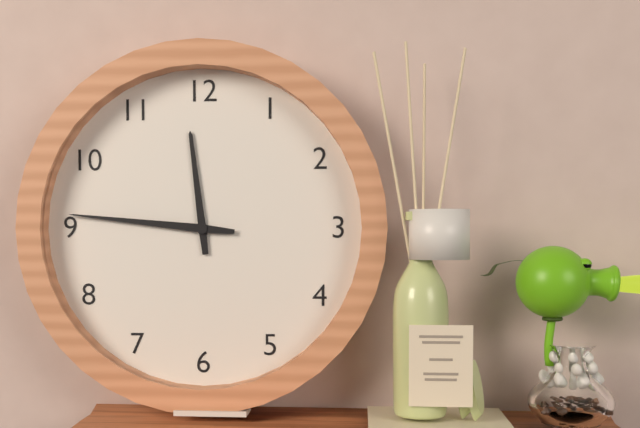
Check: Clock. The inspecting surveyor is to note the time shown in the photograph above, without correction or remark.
11:46
